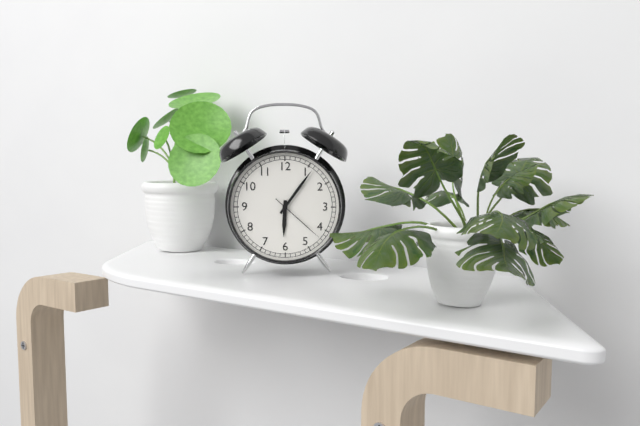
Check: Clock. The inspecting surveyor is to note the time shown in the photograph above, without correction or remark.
6:06:22
